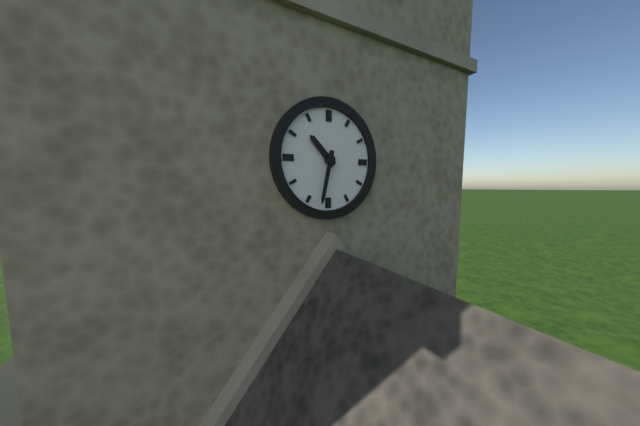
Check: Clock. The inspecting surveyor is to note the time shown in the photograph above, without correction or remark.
10:32
